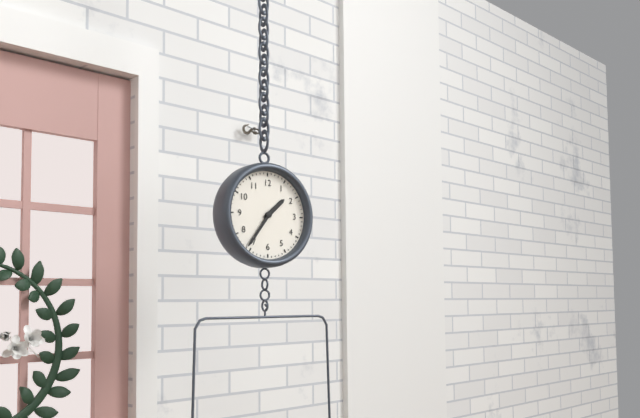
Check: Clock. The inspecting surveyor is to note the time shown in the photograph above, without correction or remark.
1:36
